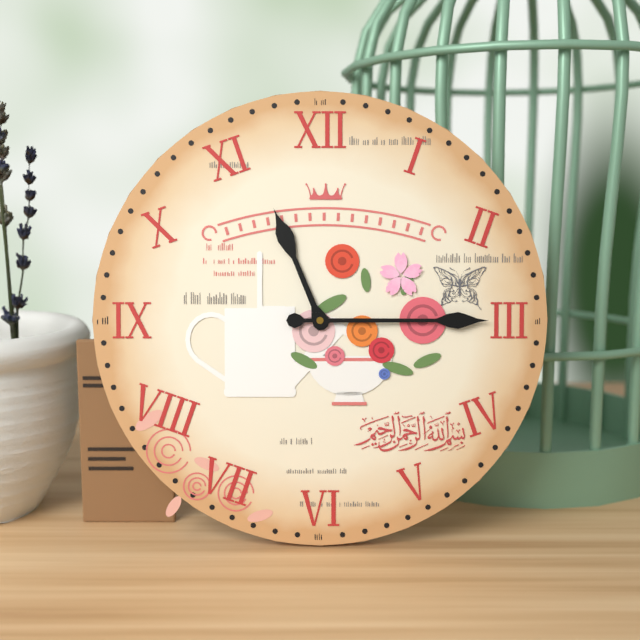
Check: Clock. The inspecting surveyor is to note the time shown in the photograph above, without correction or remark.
11:15
